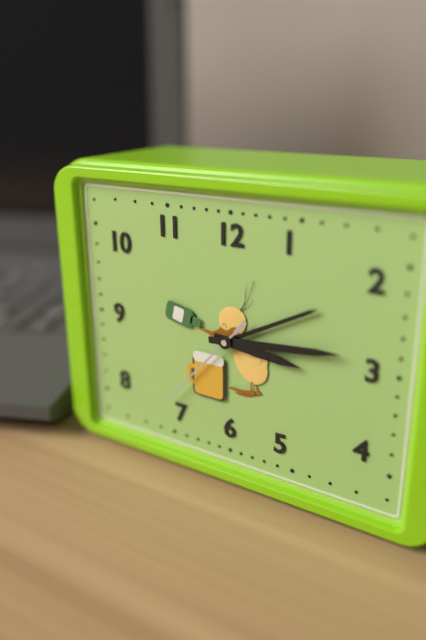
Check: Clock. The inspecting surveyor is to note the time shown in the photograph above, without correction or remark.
3:14:37
